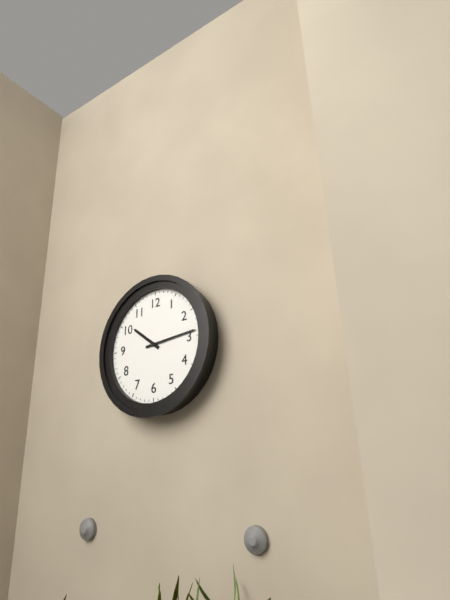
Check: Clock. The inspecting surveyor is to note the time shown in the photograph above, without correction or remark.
10:14
